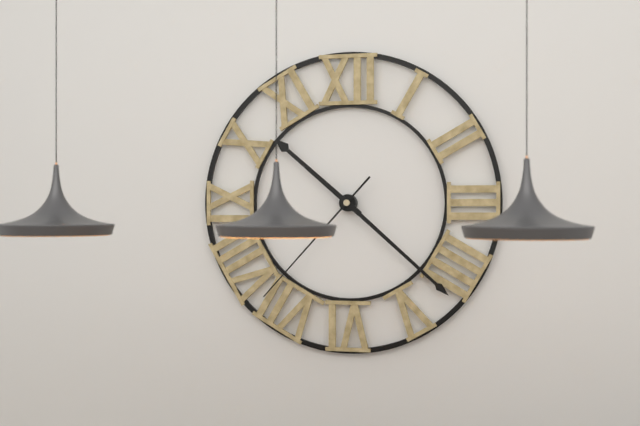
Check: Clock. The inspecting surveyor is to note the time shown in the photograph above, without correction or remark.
10:22:37
